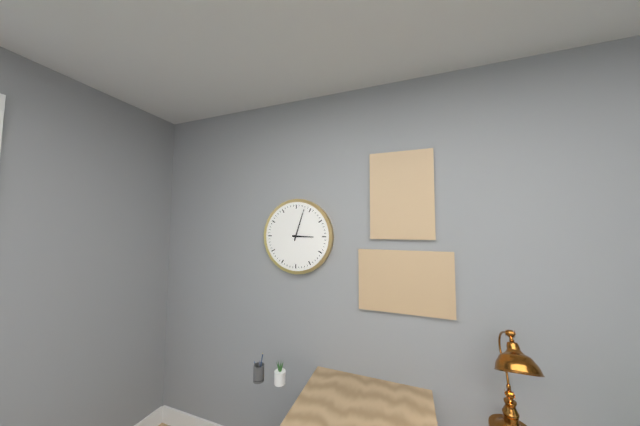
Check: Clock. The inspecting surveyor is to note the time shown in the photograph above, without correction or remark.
3:03
